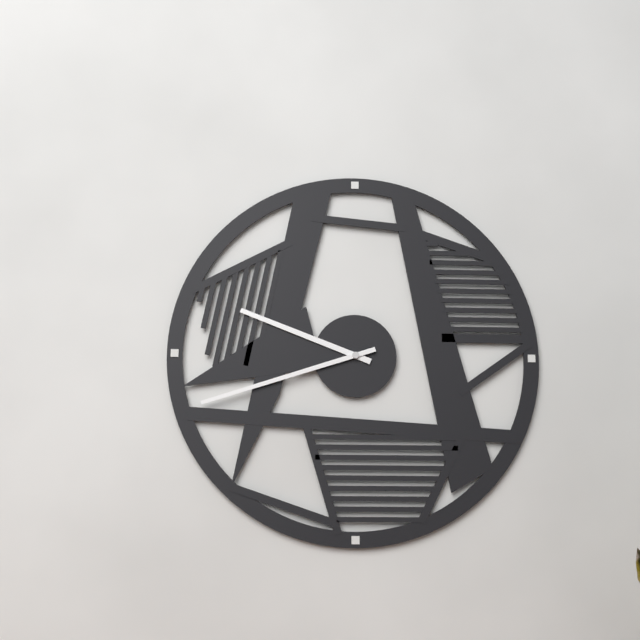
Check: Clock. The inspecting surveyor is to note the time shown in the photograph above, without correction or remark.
9:42
